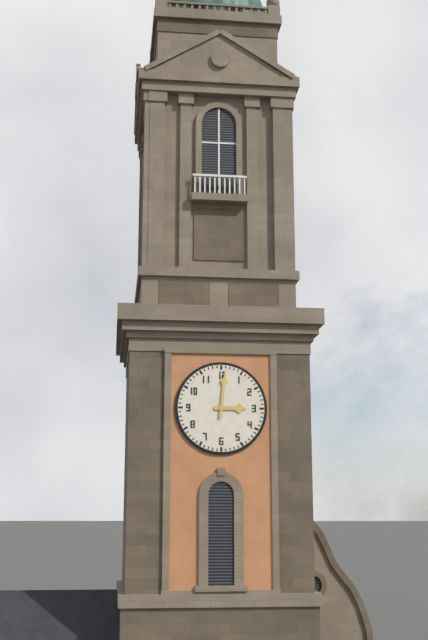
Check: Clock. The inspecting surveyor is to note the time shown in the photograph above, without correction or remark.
3:01
